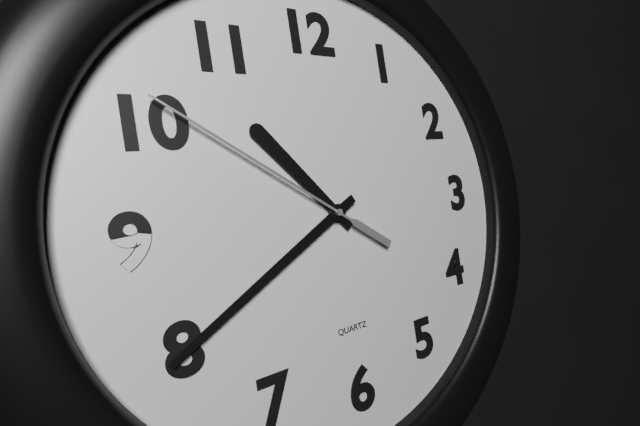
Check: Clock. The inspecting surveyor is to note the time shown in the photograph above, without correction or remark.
10:40:51
